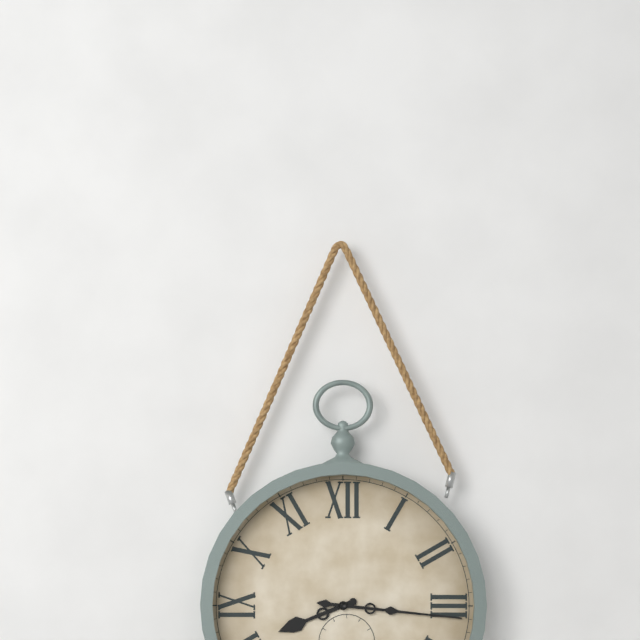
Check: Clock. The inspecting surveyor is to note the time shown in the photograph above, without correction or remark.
8:16
